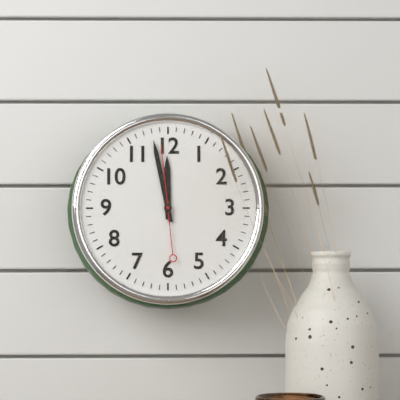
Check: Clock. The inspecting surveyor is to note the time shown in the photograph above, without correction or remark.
11:58:59
